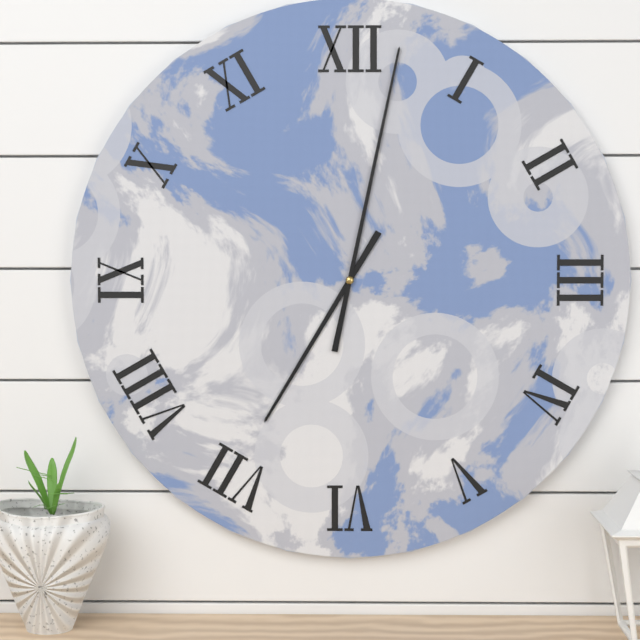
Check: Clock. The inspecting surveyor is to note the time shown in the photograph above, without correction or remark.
7:02
